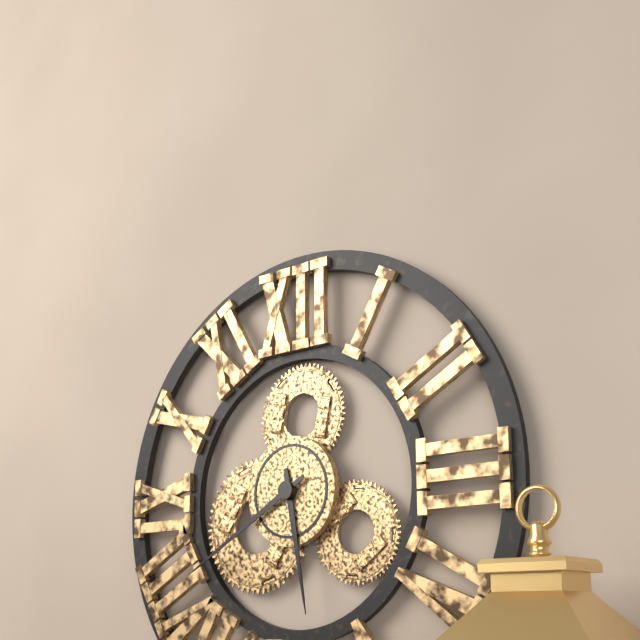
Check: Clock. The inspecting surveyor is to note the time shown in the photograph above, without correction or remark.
5:40
